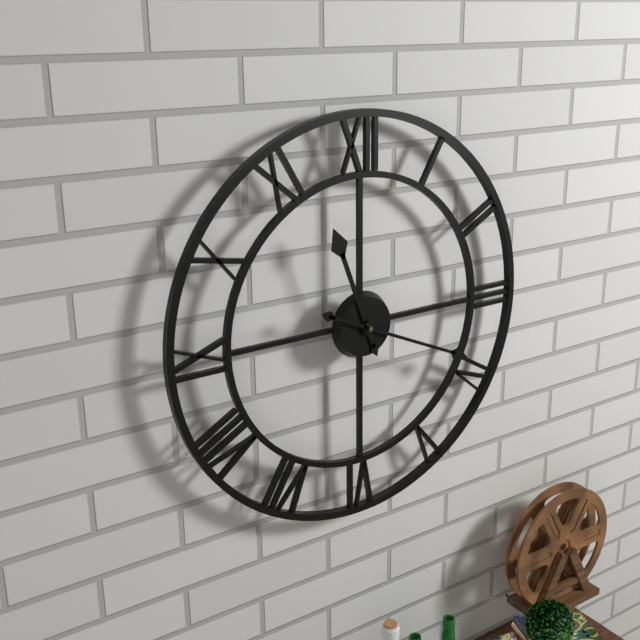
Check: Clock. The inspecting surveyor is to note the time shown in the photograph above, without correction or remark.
11:19
